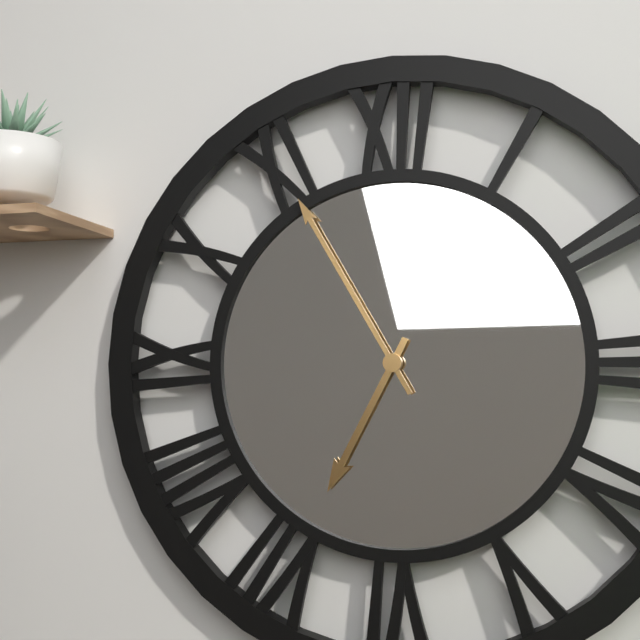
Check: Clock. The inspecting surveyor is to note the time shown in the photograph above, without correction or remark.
6:55
